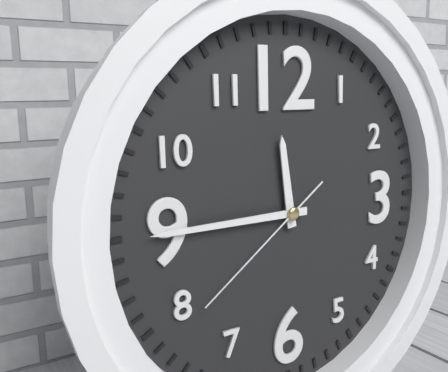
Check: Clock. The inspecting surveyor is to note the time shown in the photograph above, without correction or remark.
11:45:39
